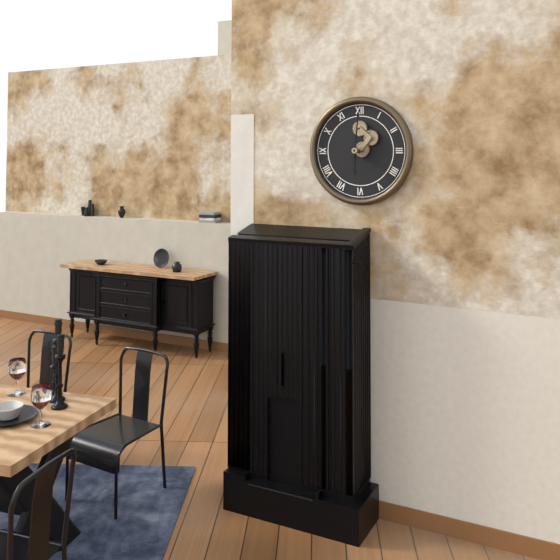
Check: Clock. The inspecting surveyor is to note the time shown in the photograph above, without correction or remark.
6:01
